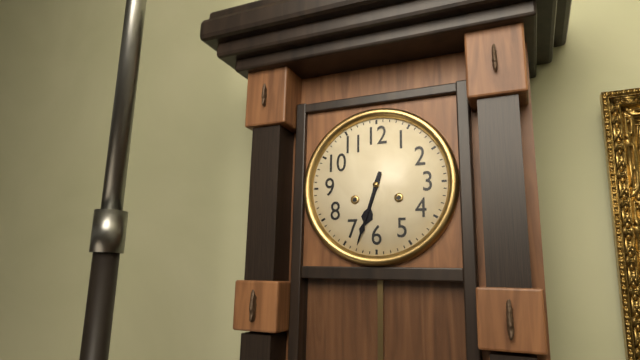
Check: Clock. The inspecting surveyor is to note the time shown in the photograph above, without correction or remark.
6:33
